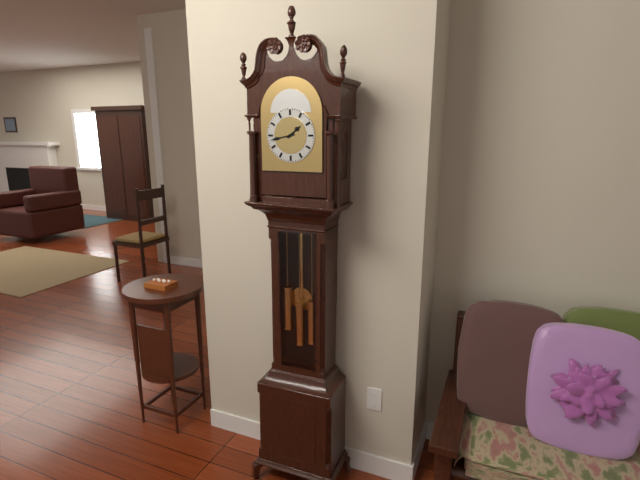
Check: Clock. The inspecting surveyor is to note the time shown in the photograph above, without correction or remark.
1:43
